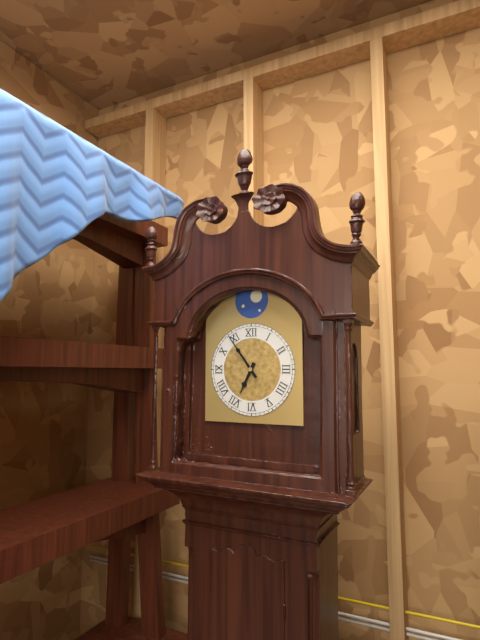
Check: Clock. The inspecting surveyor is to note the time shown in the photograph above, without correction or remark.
6:54
